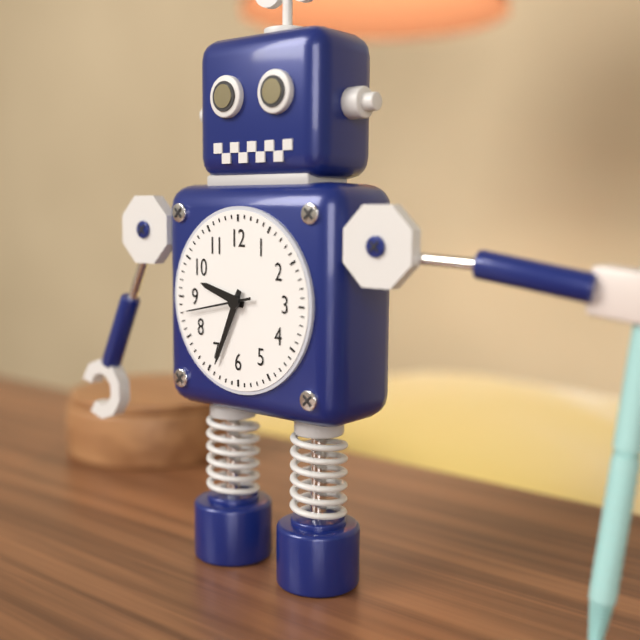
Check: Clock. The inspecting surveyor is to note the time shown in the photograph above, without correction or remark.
9:34:43
